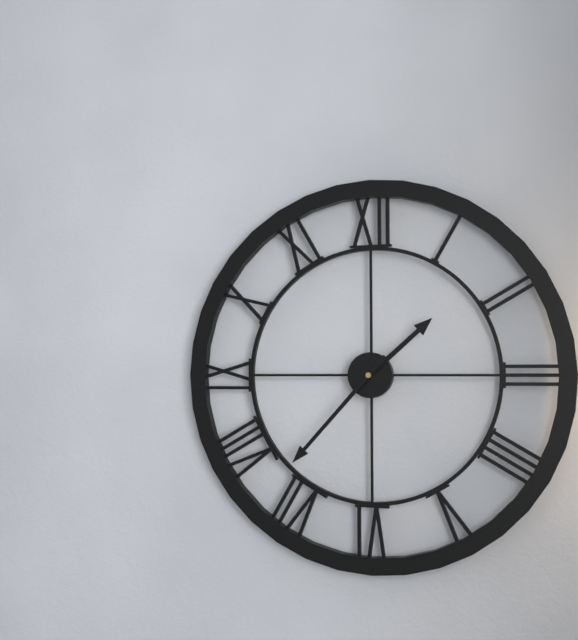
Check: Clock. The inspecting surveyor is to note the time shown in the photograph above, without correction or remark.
1:37
